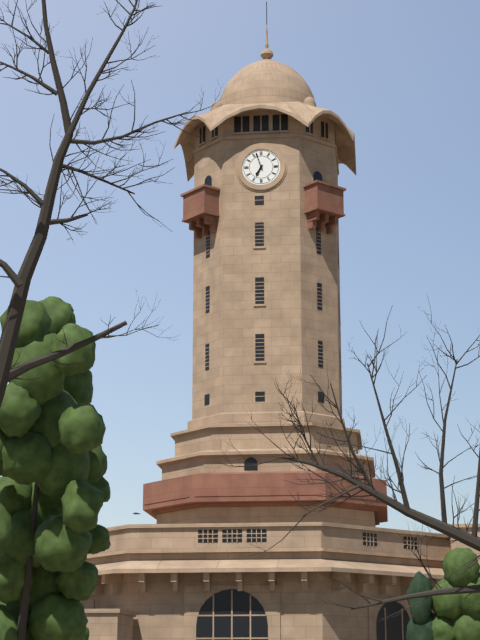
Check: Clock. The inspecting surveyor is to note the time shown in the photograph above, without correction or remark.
6:57
